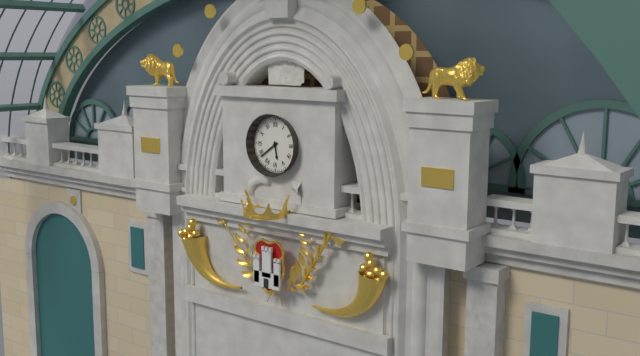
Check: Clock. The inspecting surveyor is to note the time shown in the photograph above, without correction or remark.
5:39
